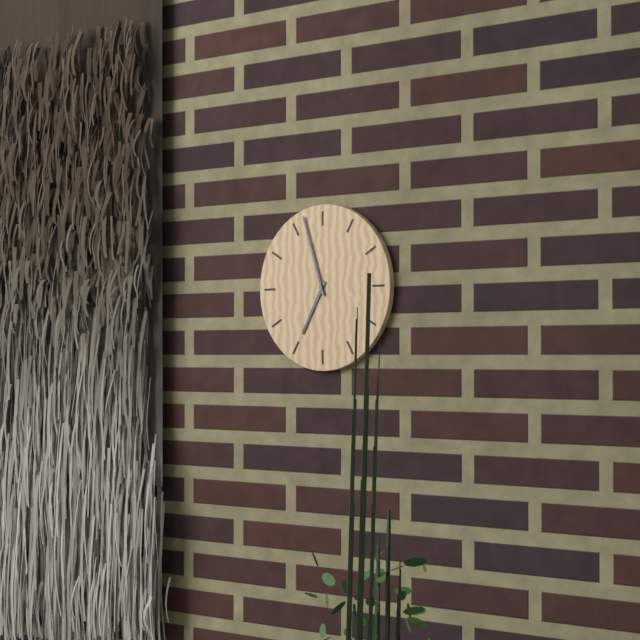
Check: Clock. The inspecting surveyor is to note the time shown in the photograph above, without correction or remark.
6:57
